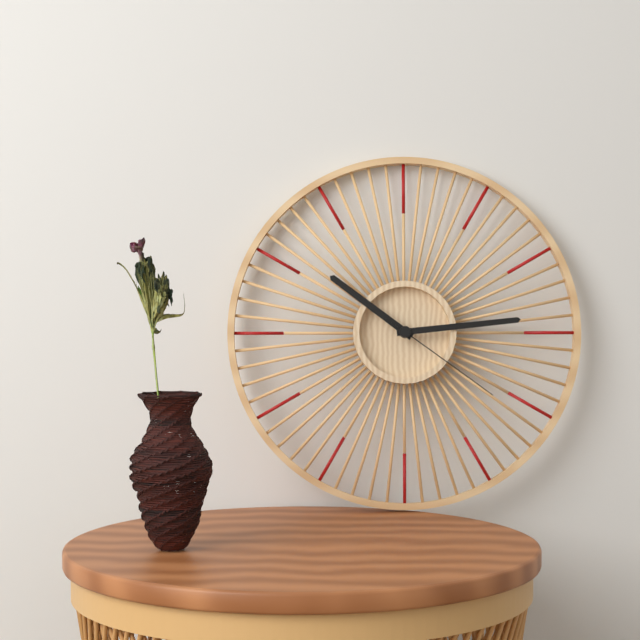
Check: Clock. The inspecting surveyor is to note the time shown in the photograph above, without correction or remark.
10:14:21
